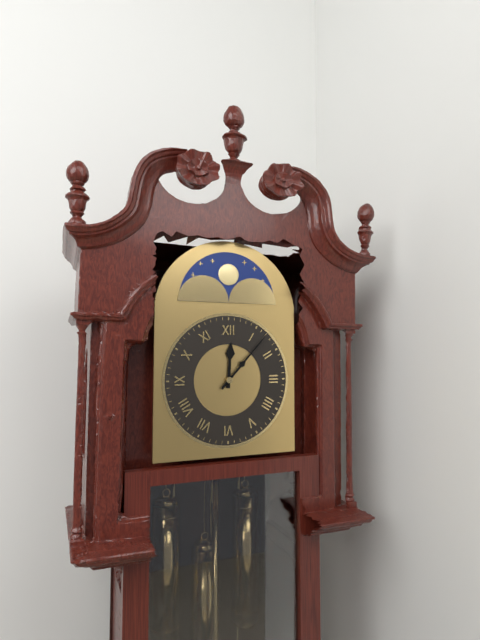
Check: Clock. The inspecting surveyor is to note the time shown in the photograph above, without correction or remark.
12:07
